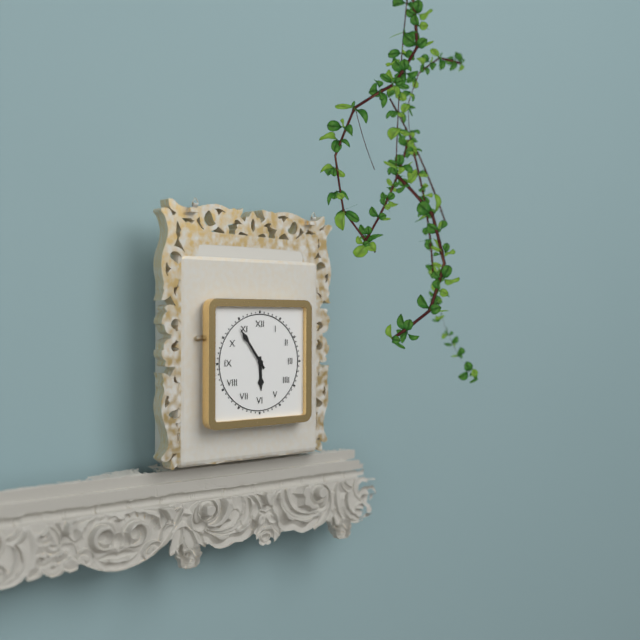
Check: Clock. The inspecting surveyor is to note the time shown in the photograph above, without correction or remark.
5:54
